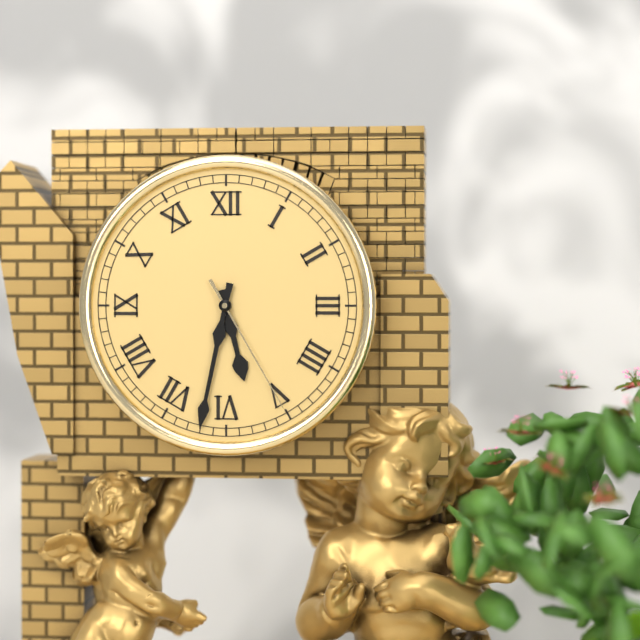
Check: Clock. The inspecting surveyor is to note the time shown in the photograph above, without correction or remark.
5:32:25
